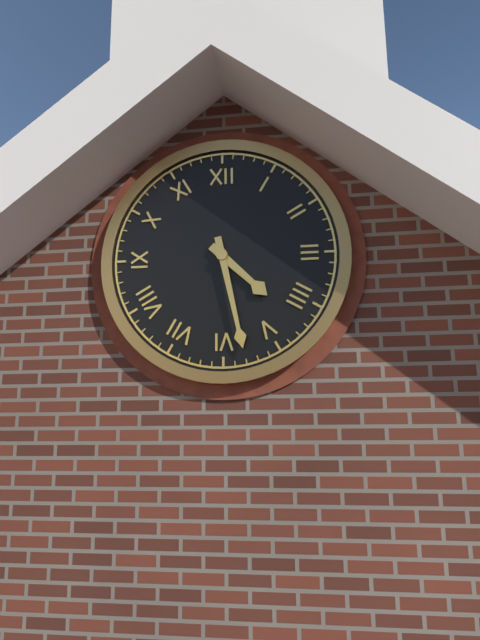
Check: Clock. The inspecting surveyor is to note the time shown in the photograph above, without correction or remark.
4:28
